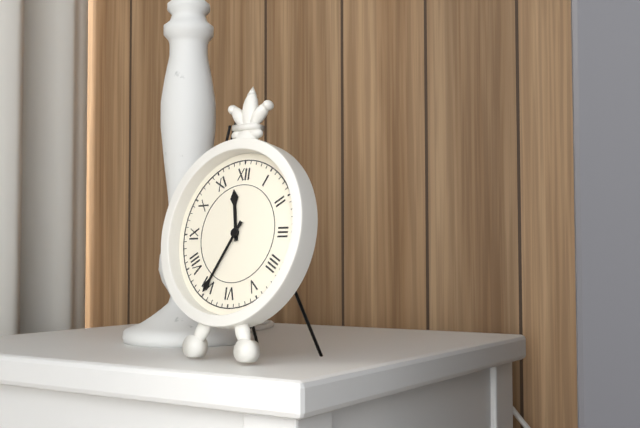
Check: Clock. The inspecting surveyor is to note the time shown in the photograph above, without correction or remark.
11:35
